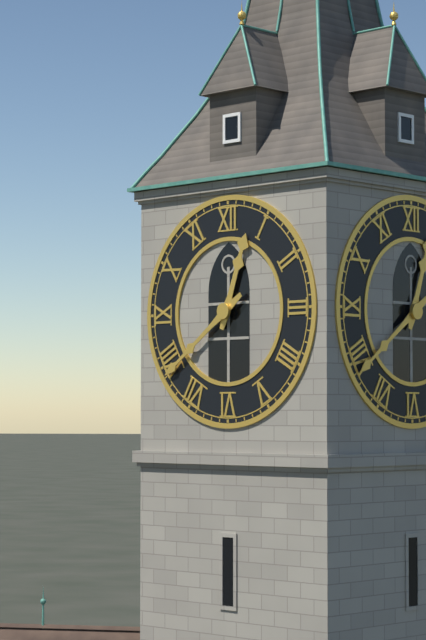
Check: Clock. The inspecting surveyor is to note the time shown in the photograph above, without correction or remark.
12:39
